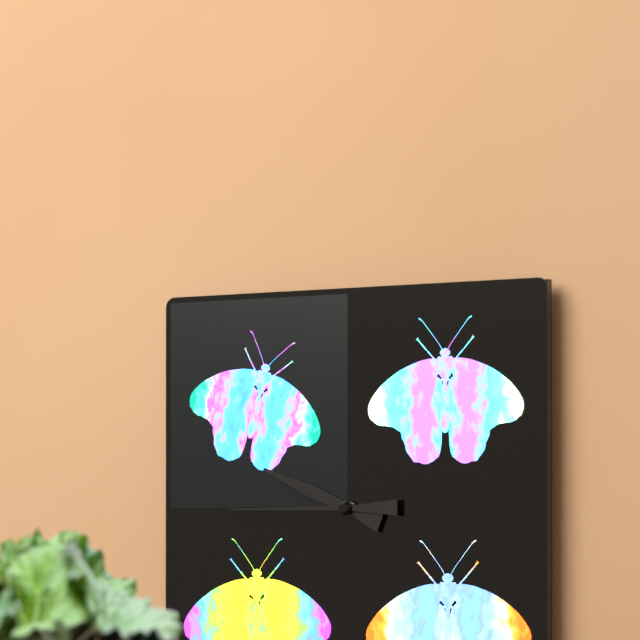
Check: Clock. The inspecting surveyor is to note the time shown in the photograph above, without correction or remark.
9:45
